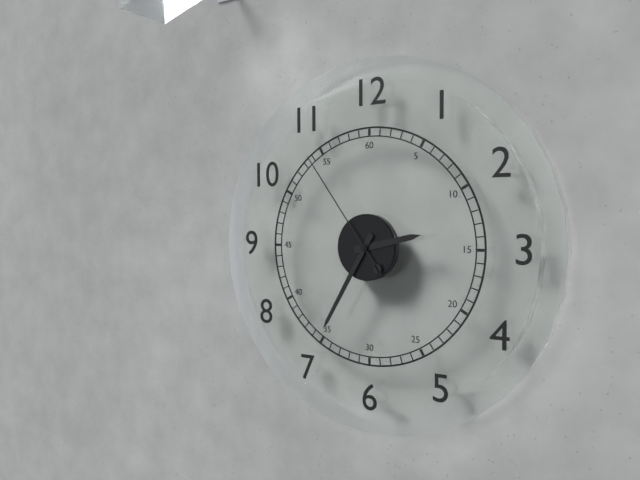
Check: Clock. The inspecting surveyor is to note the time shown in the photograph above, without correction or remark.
2:35:54
